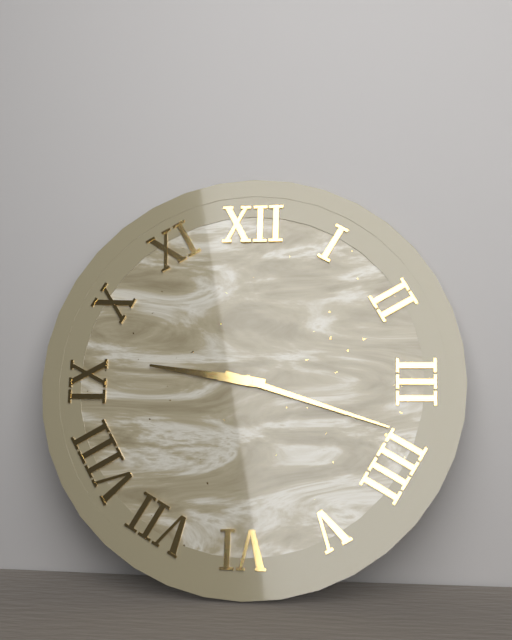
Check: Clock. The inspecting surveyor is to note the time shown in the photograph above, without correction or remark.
9:18
